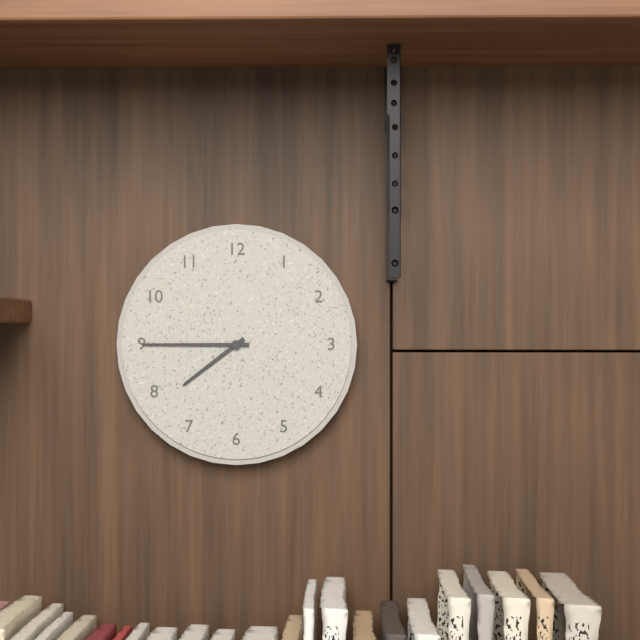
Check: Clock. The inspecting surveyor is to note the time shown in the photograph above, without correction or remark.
7:45
